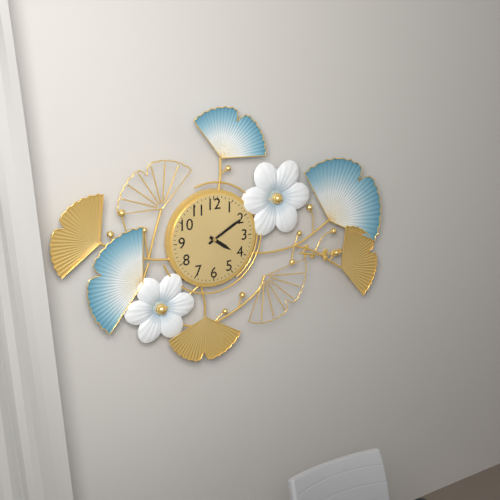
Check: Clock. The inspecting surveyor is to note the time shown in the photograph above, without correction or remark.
4:10
